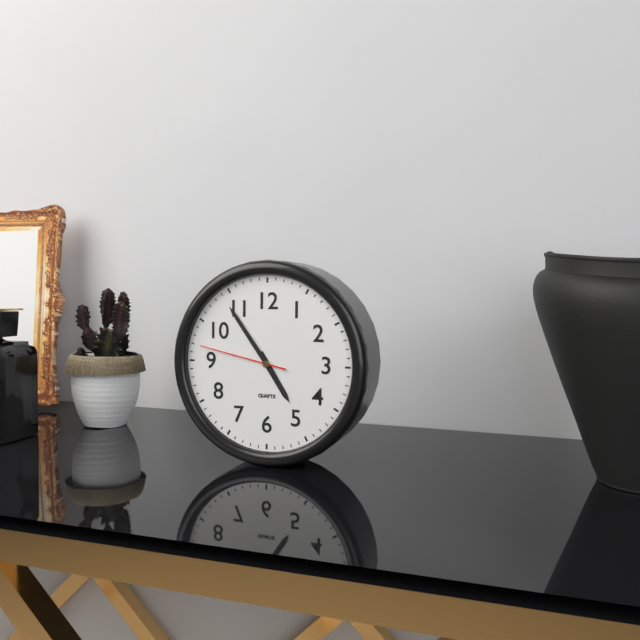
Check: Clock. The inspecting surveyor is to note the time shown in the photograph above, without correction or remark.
4:54:47
